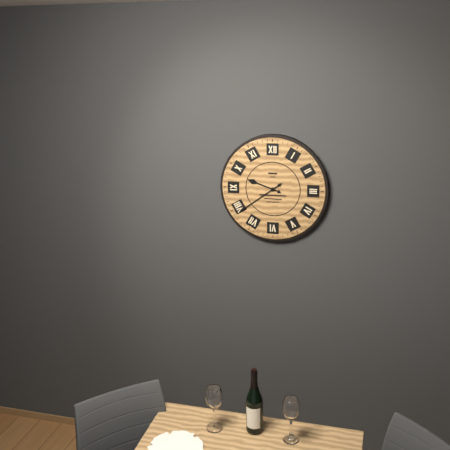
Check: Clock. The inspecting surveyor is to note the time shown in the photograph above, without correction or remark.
9:39
